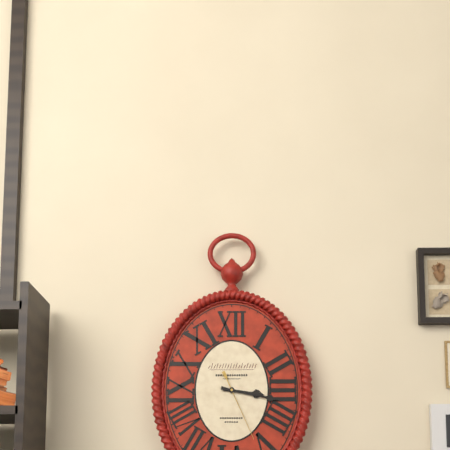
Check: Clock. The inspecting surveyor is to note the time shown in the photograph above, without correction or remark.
3:17:26
